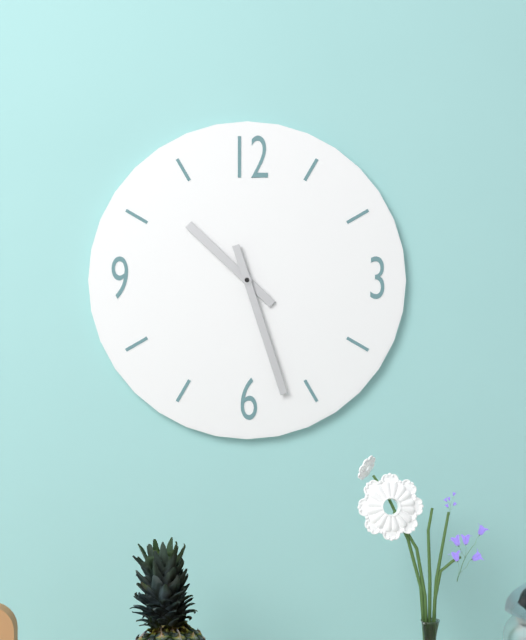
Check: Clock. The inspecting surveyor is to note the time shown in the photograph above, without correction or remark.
10:27
